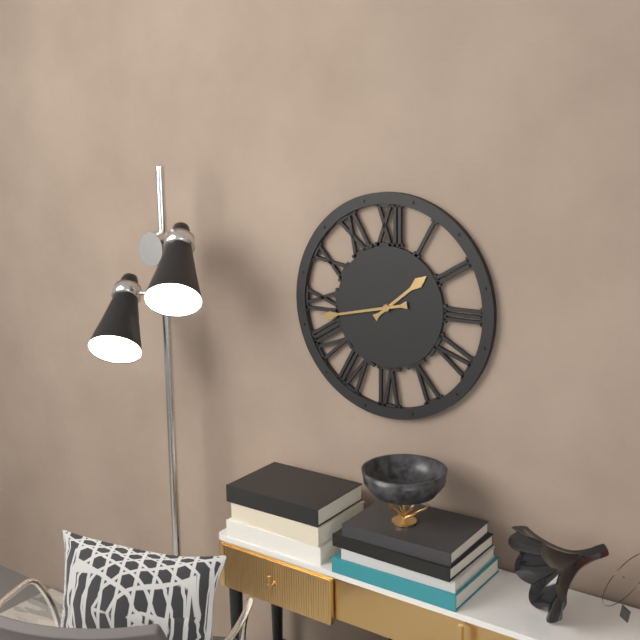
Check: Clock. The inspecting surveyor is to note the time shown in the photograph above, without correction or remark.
1:43
